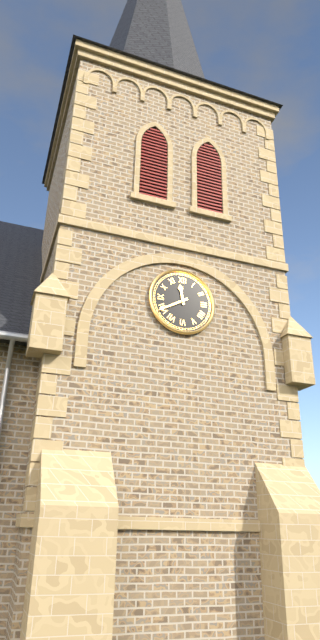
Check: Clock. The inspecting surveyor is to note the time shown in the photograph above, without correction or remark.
11:40
